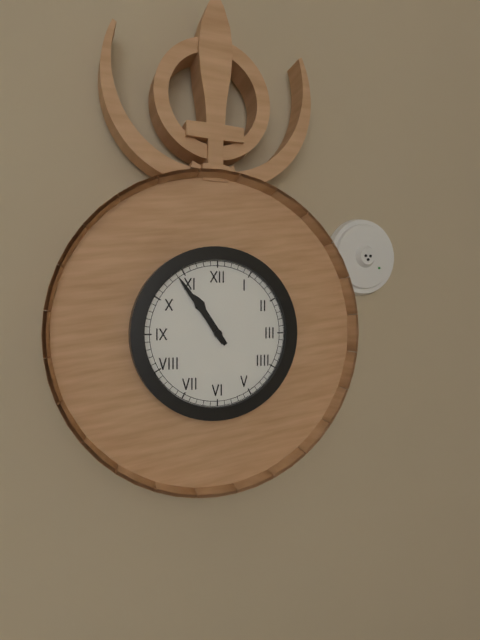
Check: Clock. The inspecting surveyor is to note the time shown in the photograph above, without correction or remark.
10:54
